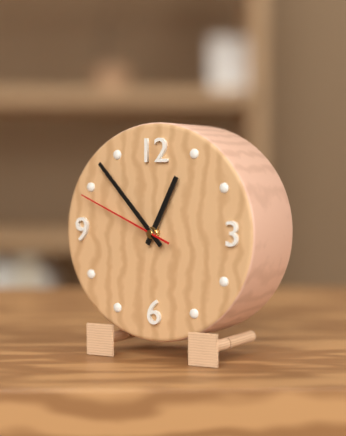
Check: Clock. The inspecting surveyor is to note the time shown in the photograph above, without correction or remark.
12:53:49
